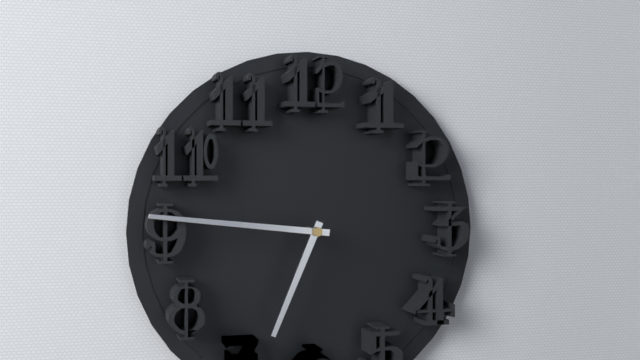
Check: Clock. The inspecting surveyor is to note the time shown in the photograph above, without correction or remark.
6:46
